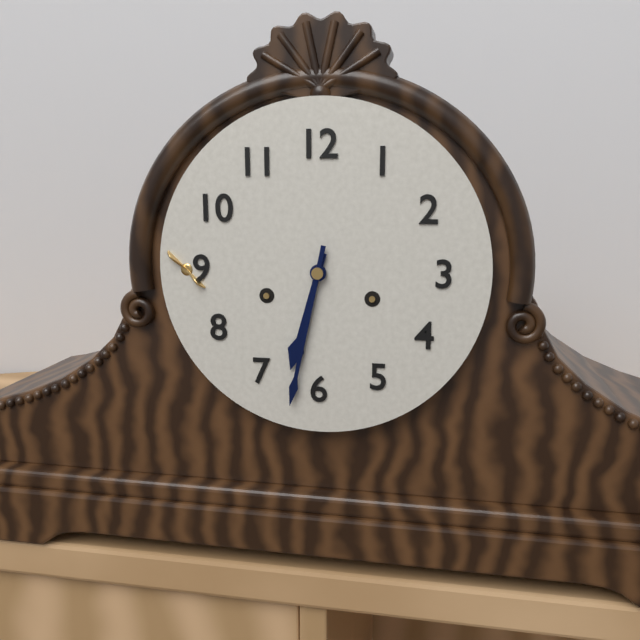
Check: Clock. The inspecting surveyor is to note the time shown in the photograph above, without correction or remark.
6:32
